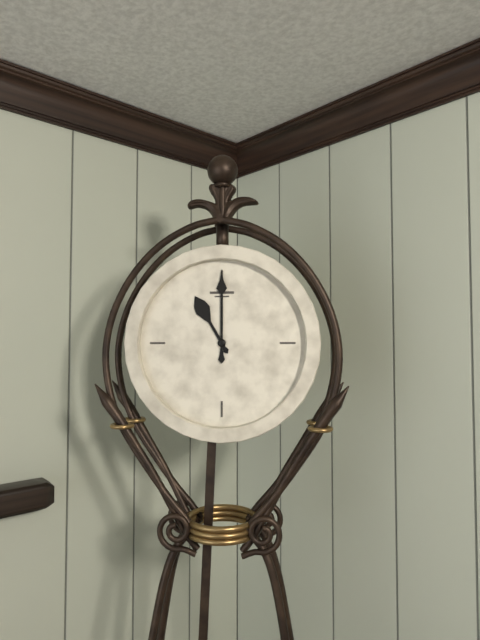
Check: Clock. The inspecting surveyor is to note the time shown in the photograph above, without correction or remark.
11:00
